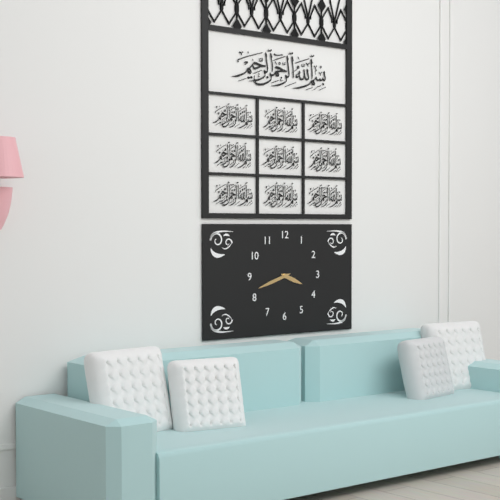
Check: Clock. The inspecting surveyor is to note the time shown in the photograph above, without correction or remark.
3:42
